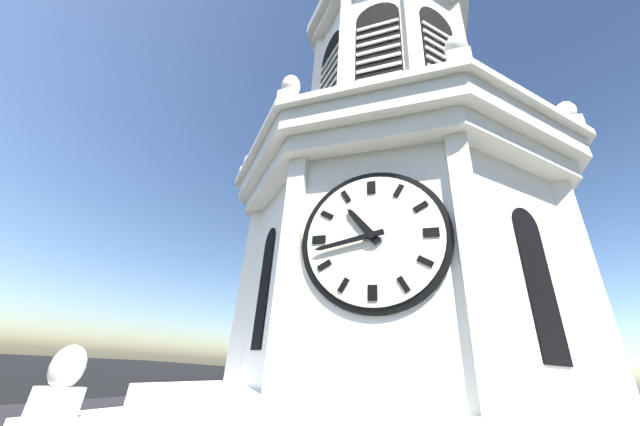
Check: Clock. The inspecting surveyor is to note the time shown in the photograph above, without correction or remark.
10:43
